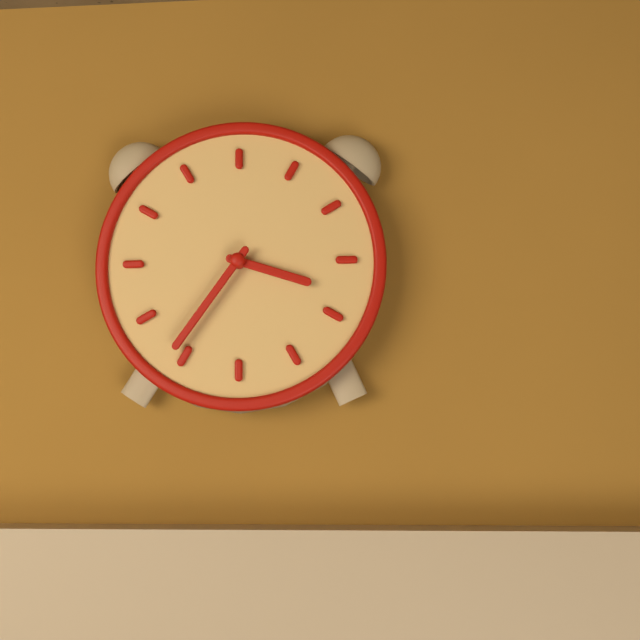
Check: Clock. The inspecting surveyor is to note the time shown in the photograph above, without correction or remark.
3:36
